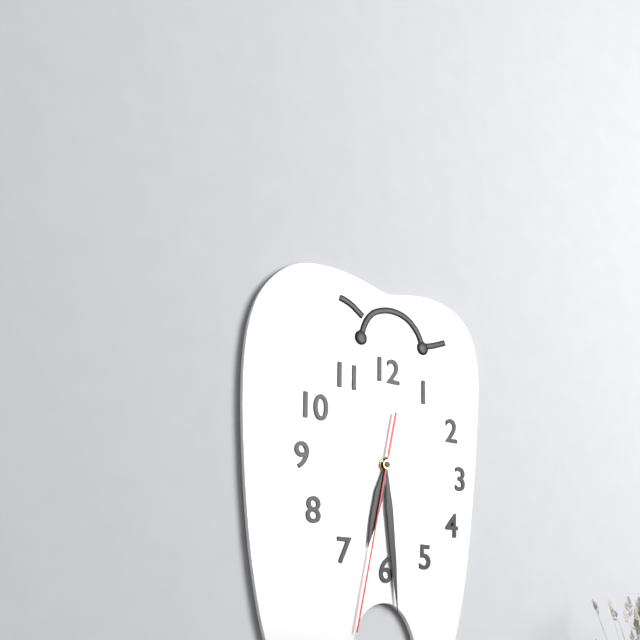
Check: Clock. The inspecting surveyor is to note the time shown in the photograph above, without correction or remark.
6:29:32
